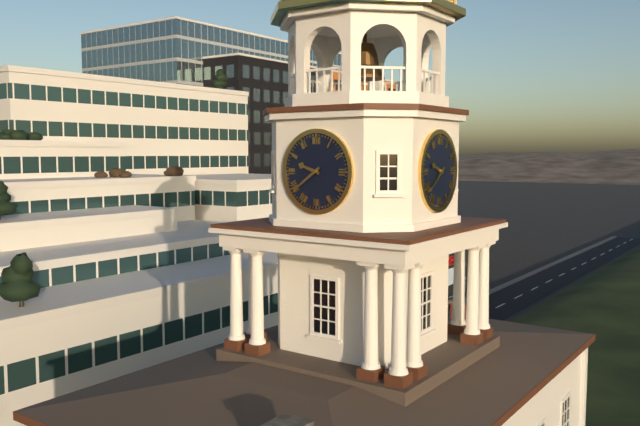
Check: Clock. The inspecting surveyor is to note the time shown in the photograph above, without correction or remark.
9:39
